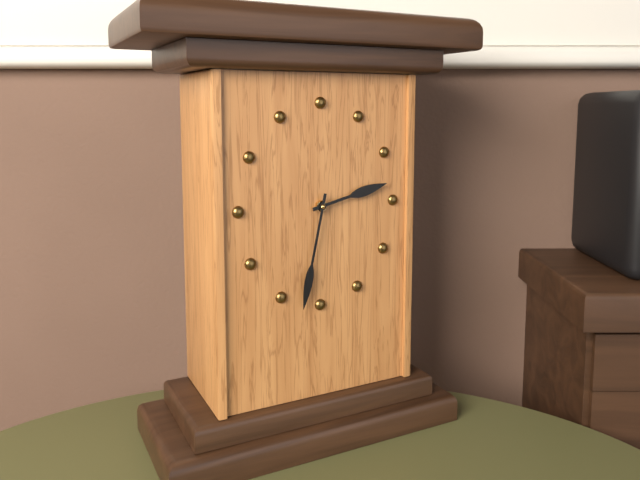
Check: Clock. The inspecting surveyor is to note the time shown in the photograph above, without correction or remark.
2:32
